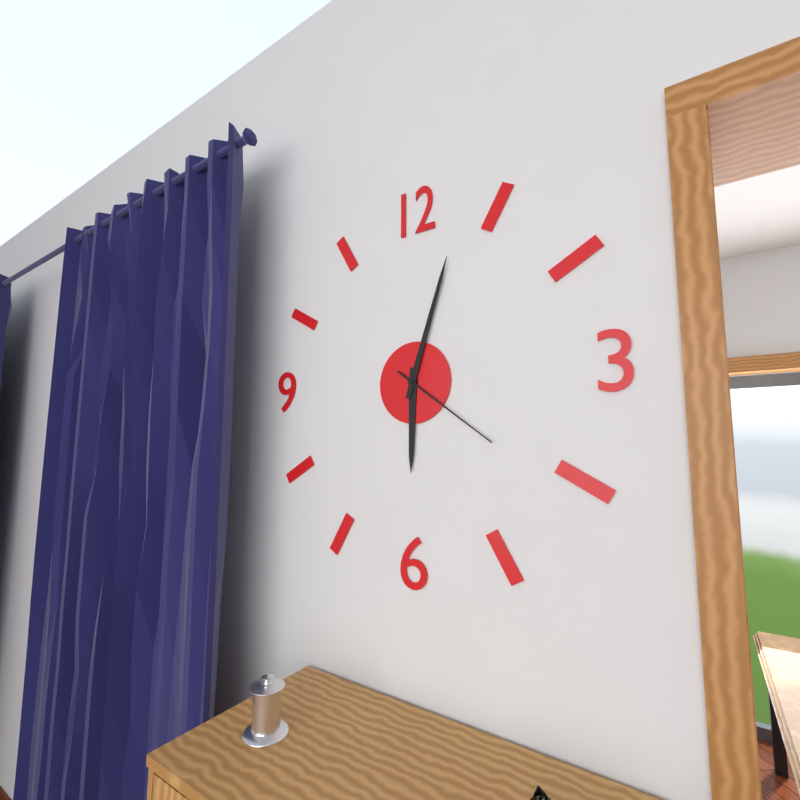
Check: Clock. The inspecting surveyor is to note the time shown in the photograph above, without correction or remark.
6:03:21
